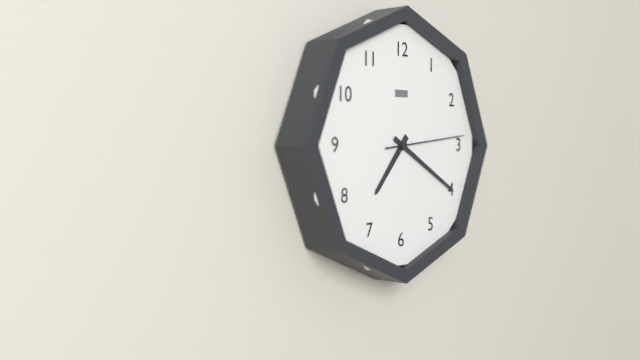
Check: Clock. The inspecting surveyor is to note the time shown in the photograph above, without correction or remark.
7:20:14
